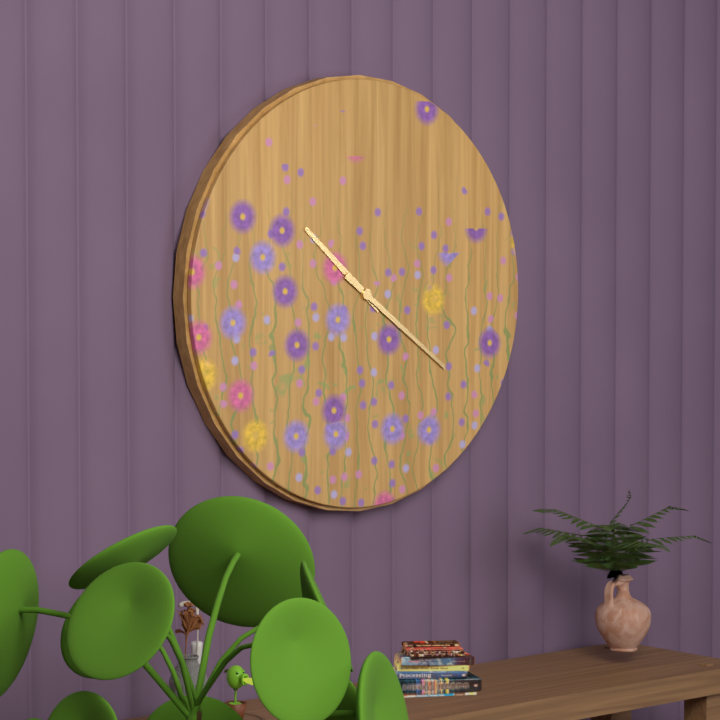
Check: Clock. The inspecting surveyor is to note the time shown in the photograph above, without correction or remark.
10:21
